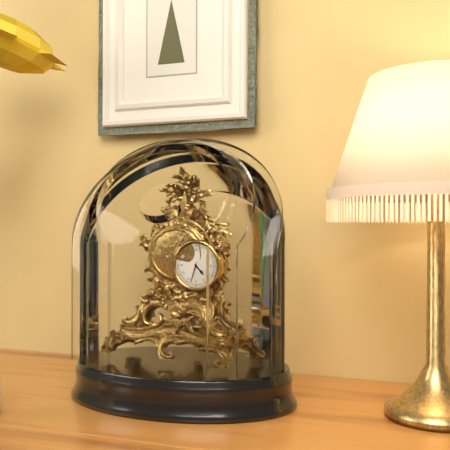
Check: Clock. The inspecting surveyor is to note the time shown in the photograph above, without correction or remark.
4:33
